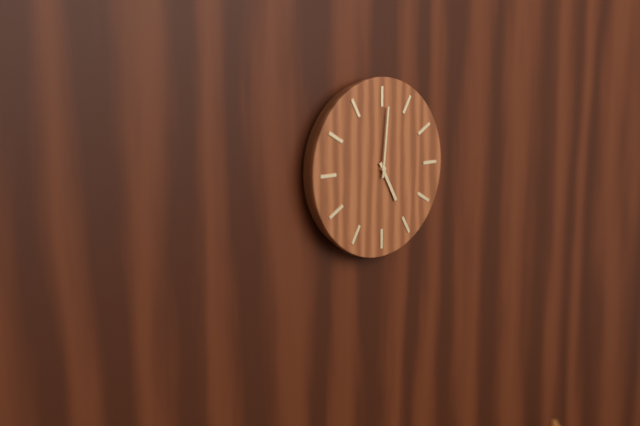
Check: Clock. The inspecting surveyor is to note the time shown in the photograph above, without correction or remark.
5:01
